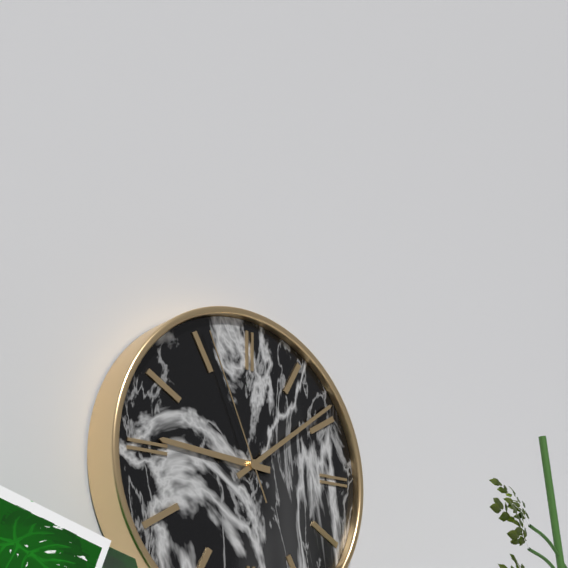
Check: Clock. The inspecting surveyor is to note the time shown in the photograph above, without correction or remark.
9:09:56
